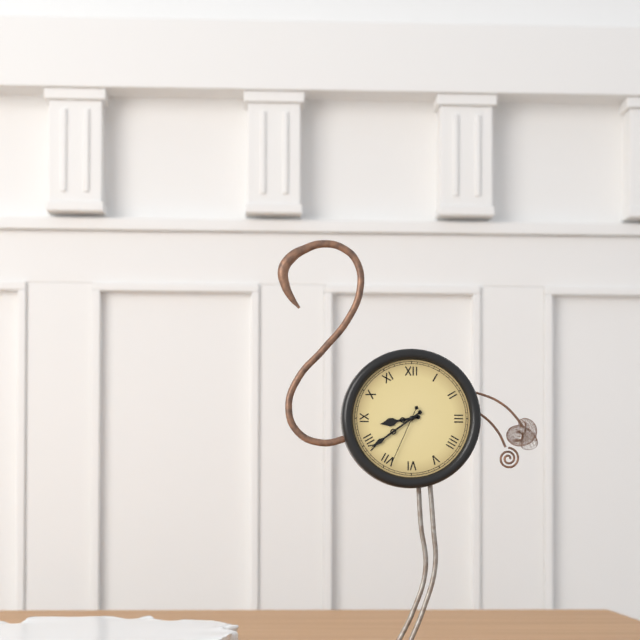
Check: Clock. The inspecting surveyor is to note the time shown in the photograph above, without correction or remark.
8:39:34
